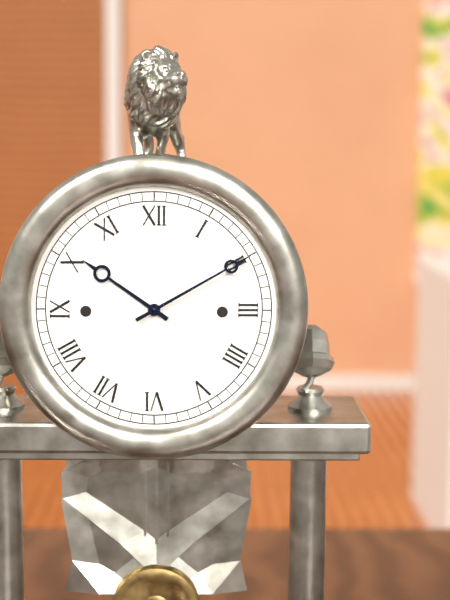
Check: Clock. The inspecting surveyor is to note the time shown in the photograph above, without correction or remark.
10:10
